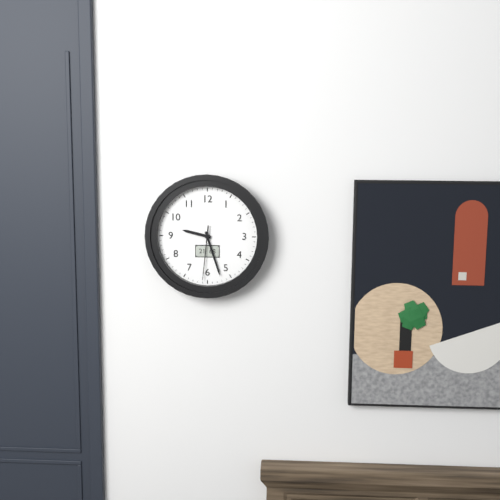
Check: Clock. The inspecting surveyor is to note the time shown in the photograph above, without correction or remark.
9:27:31
